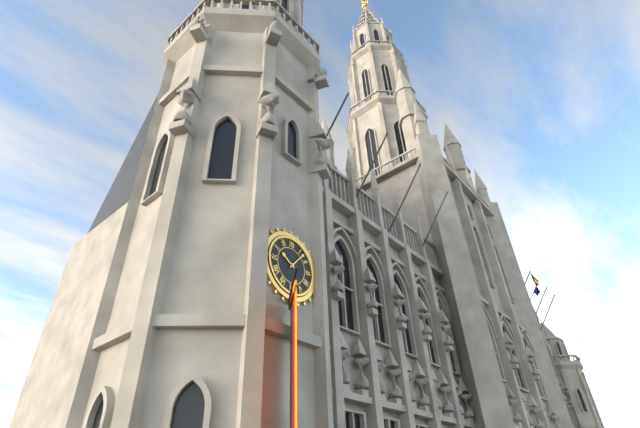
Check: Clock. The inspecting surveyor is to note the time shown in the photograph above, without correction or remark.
10:07
